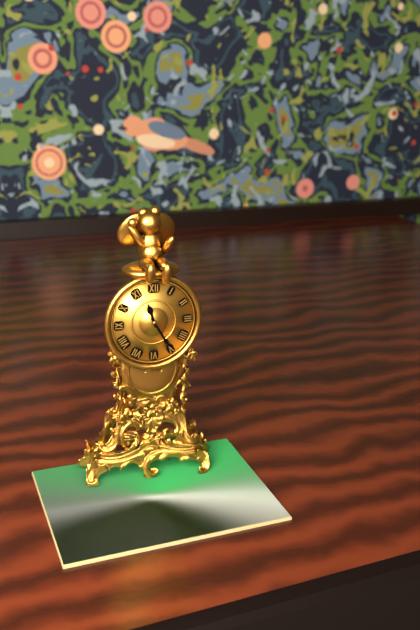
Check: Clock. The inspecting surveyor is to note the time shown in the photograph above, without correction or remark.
11:25
